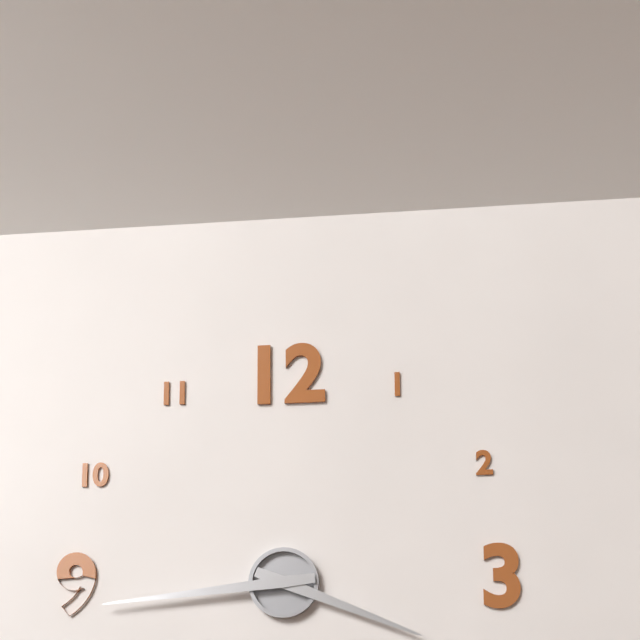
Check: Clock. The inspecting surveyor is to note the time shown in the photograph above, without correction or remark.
3:44
